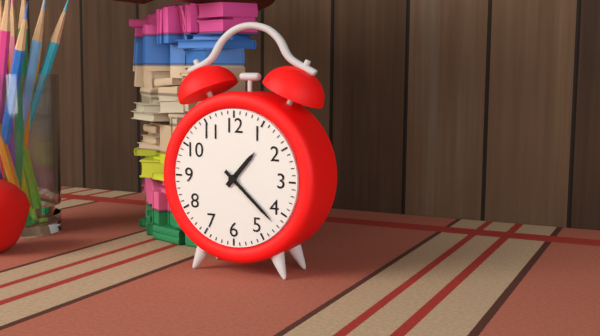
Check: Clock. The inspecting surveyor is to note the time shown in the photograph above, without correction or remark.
1:22
